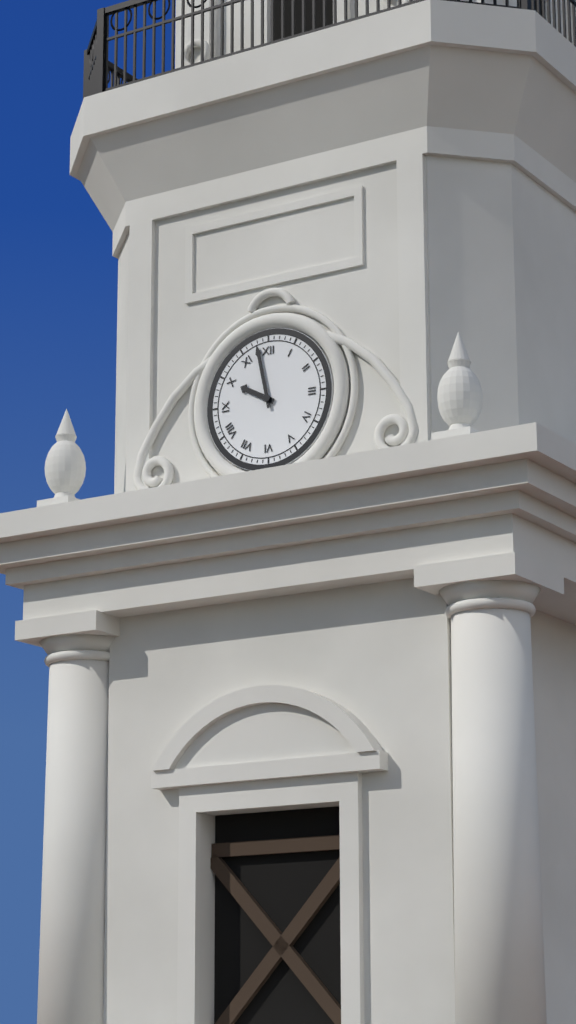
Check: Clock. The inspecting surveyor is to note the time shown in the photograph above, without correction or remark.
9:58
